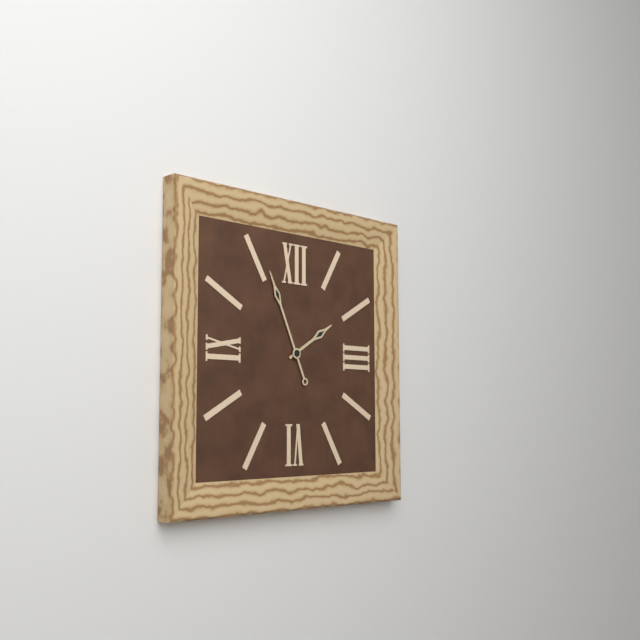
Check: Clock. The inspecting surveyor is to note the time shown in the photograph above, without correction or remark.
1:56
